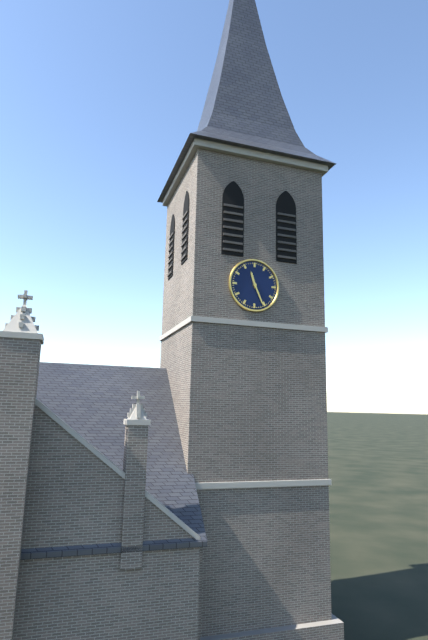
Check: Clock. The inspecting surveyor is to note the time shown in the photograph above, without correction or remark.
11:26
